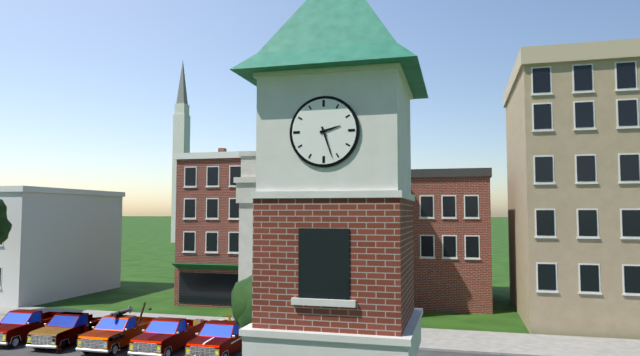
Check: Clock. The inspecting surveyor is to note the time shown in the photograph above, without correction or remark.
2:27
